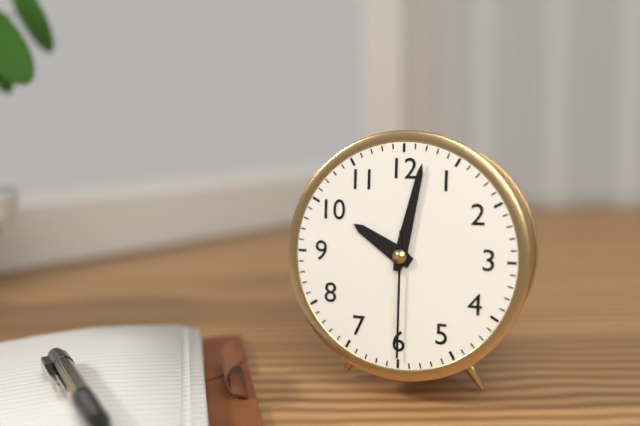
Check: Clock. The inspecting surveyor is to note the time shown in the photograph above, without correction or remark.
10:02:30
